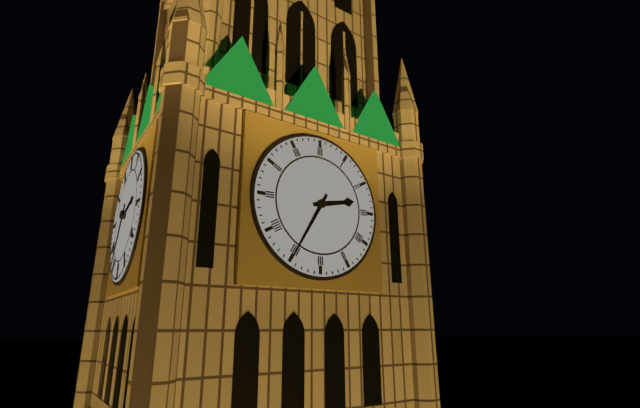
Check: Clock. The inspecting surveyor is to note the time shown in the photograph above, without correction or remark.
2:35
